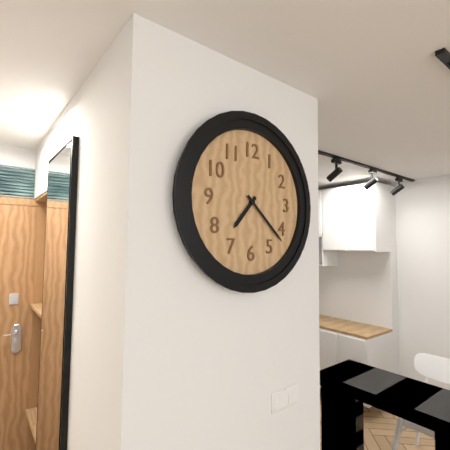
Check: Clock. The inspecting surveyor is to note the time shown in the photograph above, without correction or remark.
7:22
